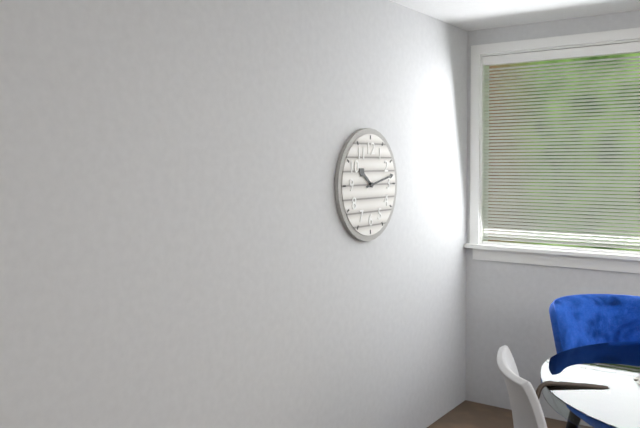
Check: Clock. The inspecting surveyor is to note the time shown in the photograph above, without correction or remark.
10:13
